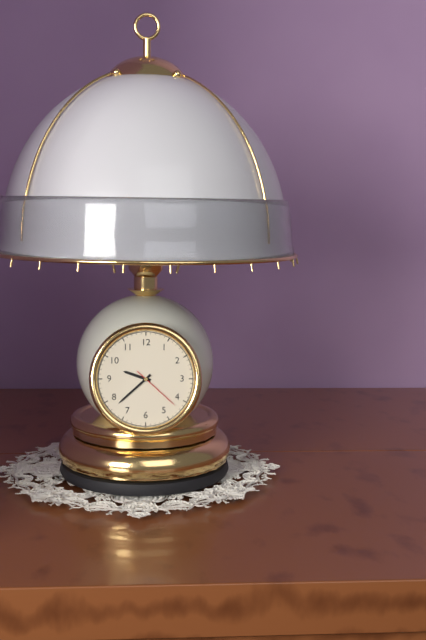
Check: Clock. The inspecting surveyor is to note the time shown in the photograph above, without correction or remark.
9:38:22
